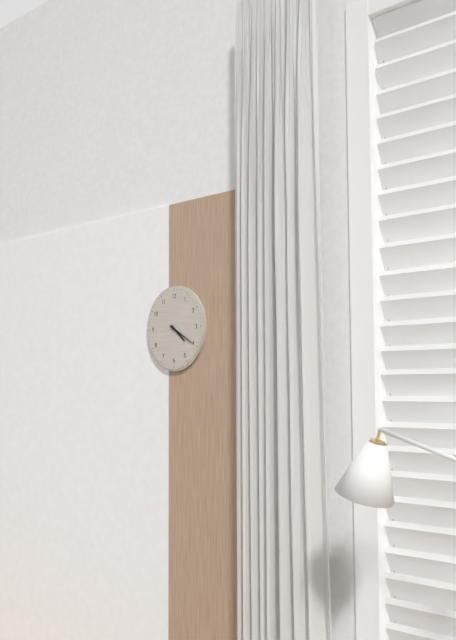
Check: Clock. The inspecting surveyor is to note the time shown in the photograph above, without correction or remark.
4:20
